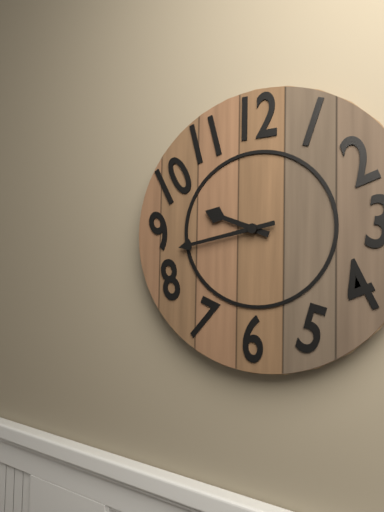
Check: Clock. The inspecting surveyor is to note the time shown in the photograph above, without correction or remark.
9:43
